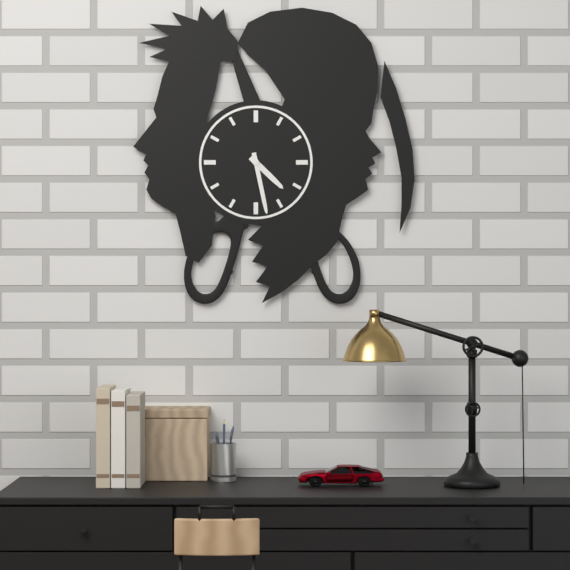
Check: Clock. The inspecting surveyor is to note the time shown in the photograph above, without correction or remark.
4:28
